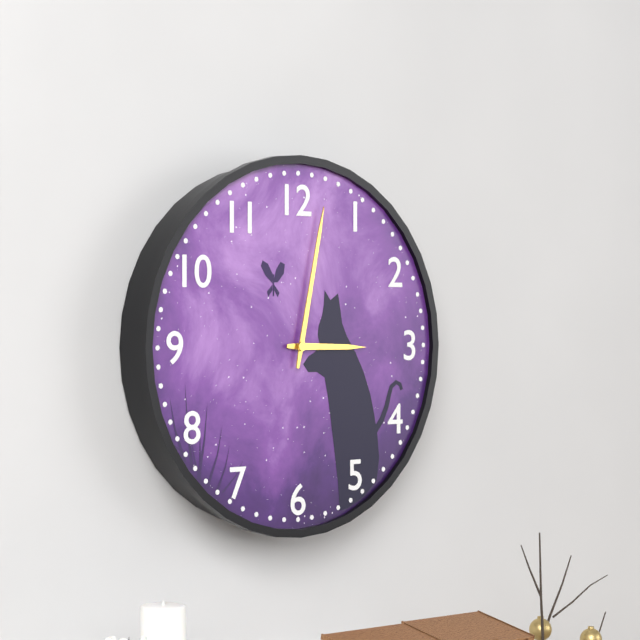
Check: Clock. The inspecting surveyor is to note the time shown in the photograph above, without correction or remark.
3:02
